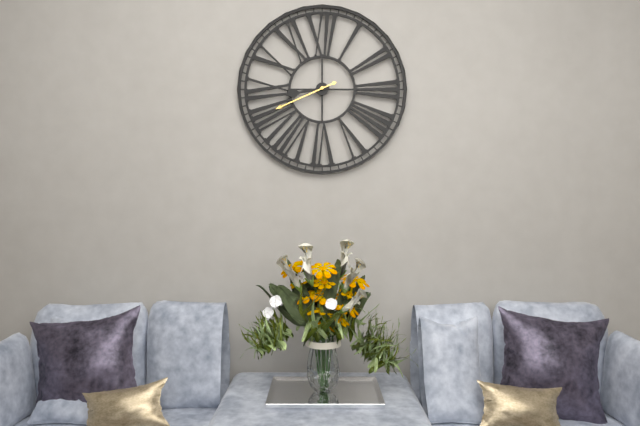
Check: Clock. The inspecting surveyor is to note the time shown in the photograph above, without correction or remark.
8:41
